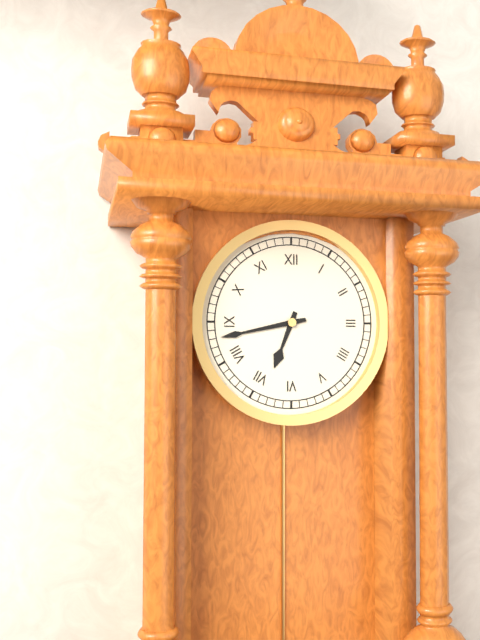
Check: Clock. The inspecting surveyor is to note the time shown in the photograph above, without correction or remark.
6:43
